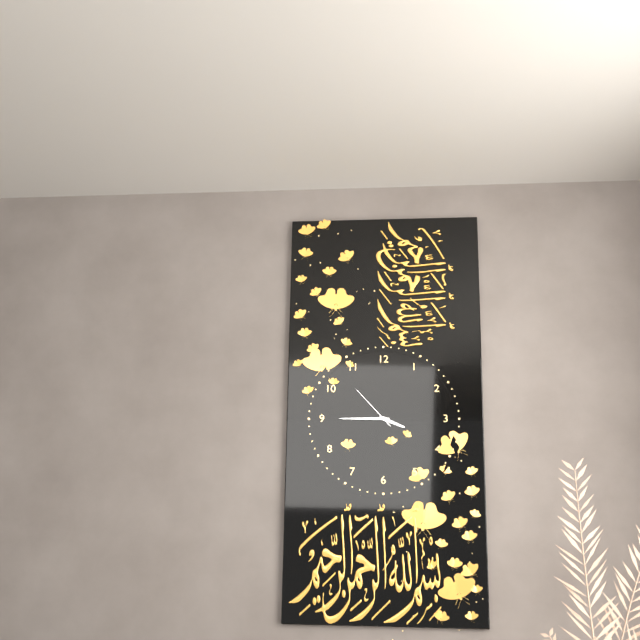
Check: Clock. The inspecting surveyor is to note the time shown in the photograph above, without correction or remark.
3:45:53
